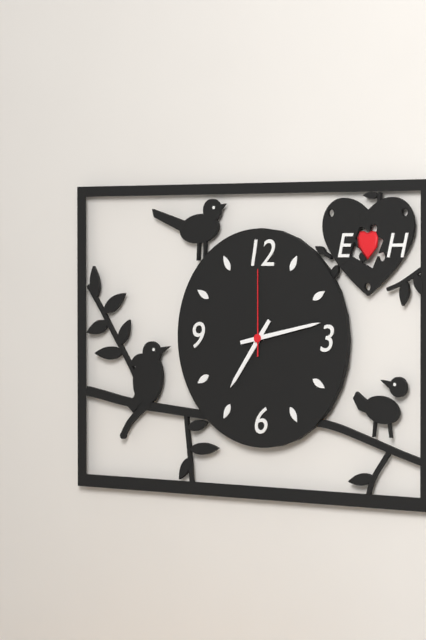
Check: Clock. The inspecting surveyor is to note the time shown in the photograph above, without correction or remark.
7:13:00
